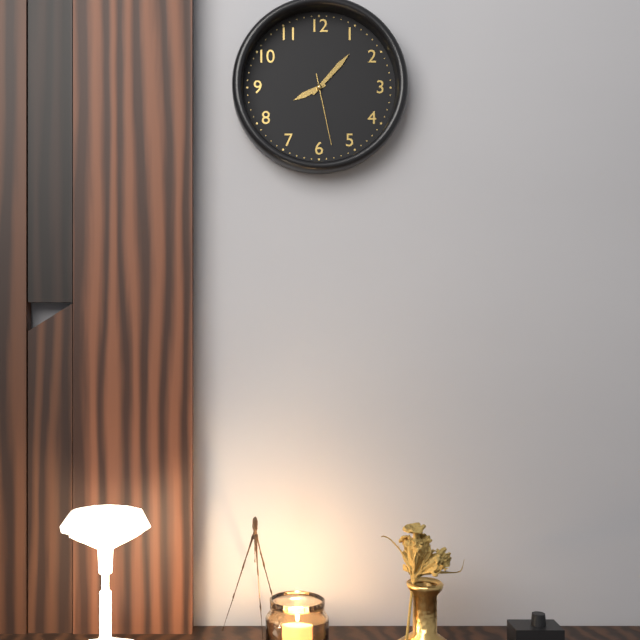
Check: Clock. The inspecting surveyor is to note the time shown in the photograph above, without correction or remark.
8:07:28
